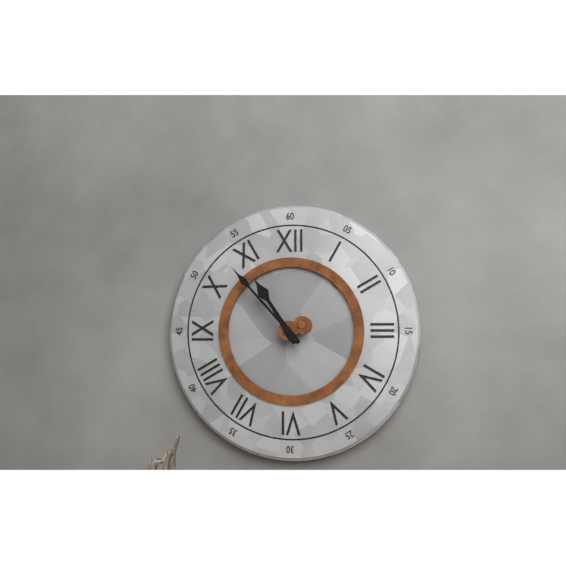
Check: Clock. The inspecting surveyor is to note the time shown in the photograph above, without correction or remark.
10:53
